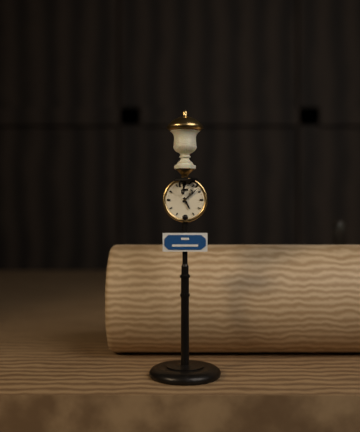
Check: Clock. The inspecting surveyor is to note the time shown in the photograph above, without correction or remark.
5:08
